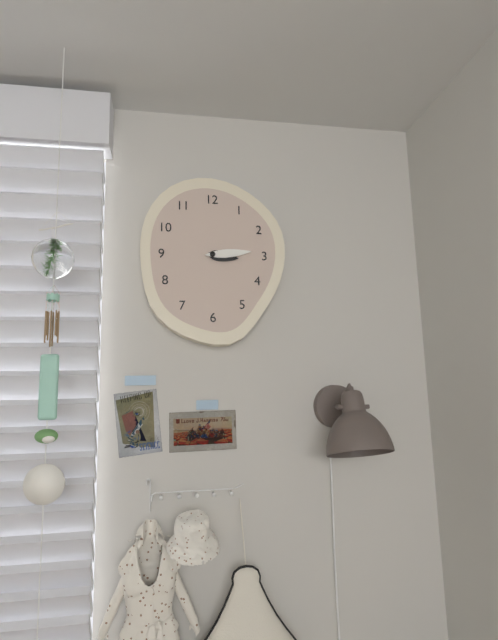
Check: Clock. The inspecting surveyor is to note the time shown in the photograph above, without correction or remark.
3:14
